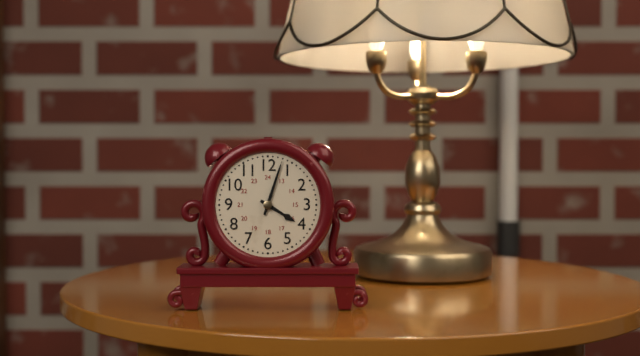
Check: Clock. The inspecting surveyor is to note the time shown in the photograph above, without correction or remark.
4:03
